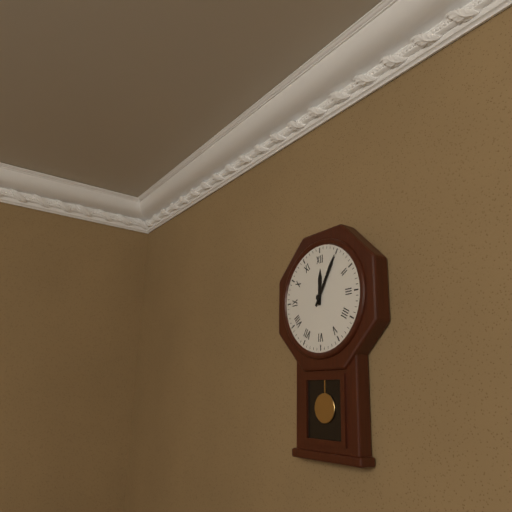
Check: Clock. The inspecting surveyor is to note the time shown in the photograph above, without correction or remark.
12:05
